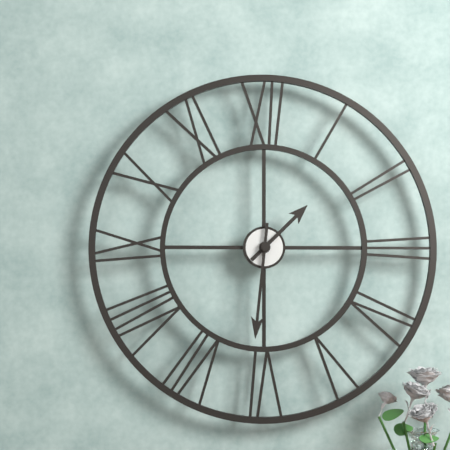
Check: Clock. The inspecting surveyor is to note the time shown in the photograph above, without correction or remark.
1:31
